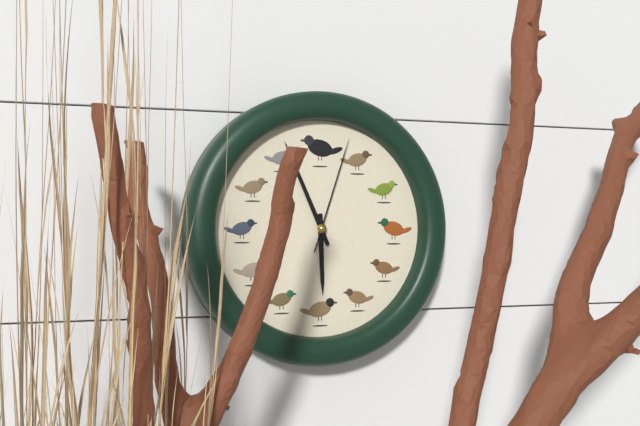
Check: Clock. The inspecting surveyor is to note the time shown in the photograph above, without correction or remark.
5:56:03
